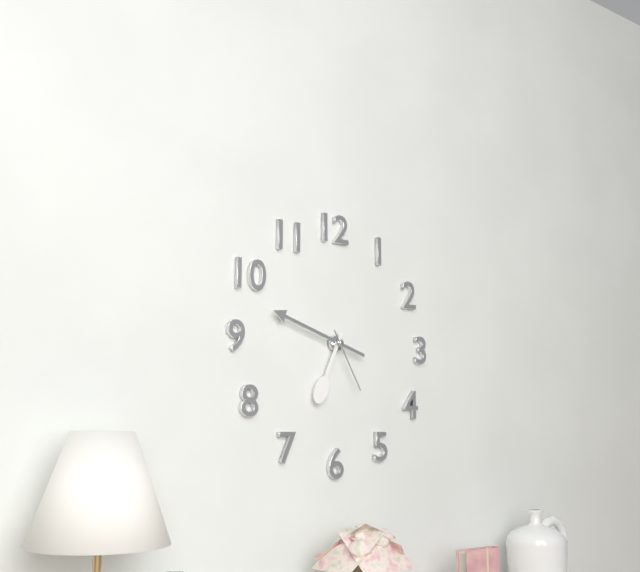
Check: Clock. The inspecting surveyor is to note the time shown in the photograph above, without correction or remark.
6:48:25
